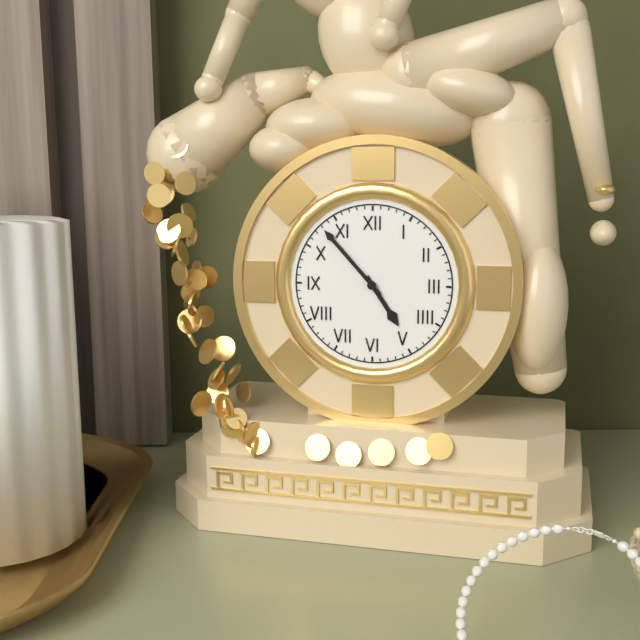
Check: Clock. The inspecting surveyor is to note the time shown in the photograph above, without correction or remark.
4:53
